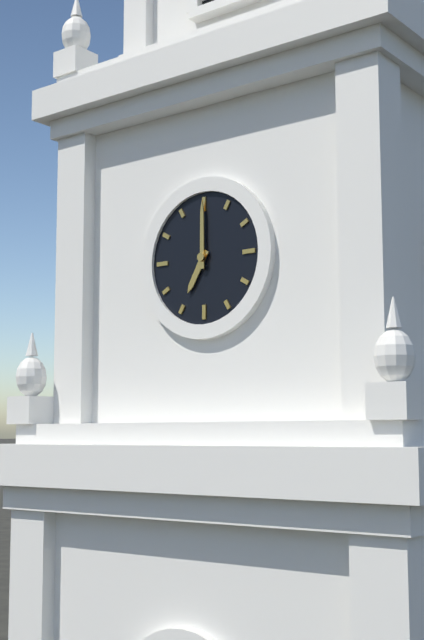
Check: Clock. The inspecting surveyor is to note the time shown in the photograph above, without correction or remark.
7:00
